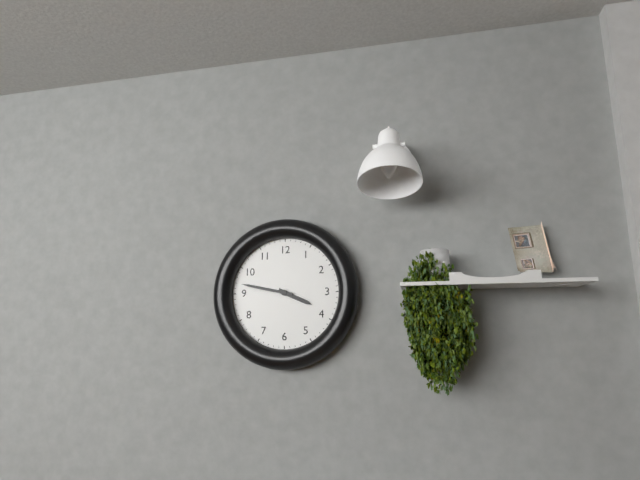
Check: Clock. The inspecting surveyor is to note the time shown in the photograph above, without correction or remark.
3:47
